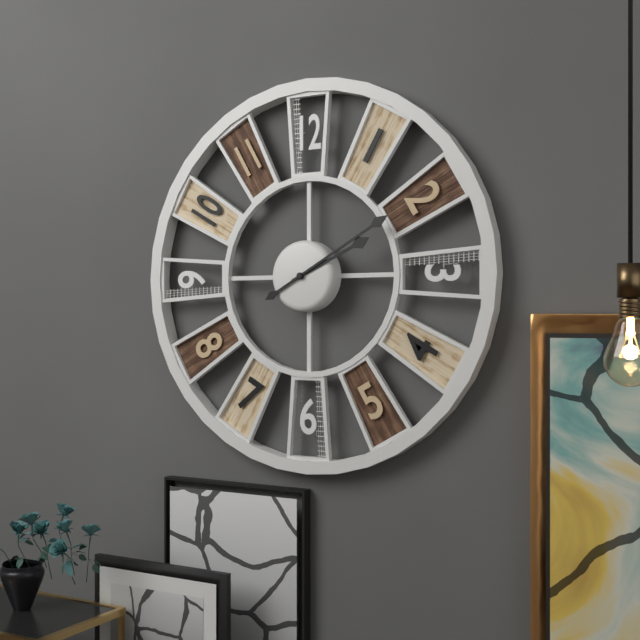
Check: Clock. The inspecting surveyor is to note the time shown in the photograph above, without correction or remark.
2:10
